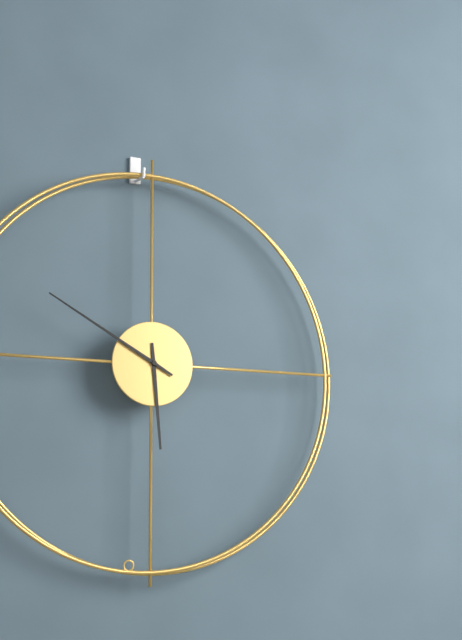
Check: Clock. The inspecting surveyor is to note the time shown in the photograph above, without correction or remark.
5:50
